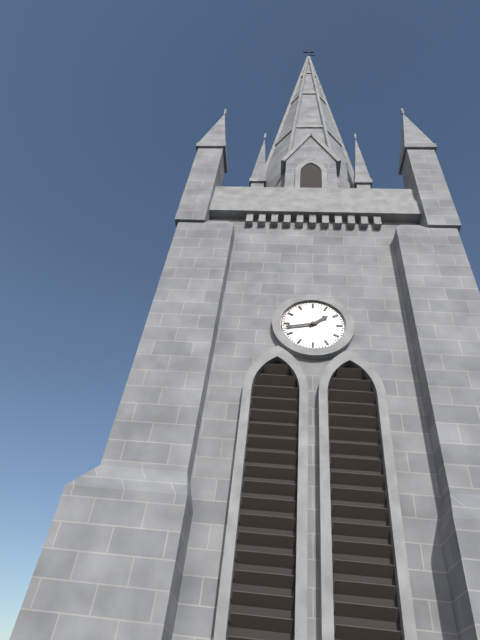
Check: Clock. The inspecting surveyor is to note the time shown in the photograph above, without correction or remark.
1:43
